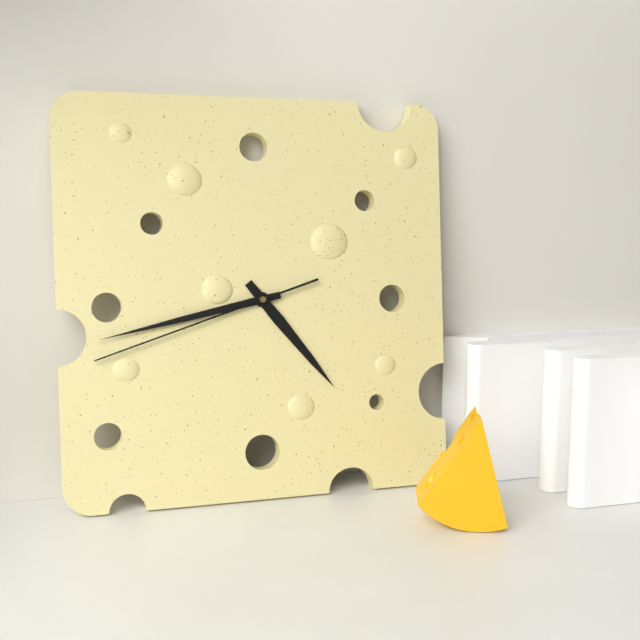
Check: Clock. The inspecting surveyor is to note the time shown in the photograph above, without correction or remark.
4:43:42
